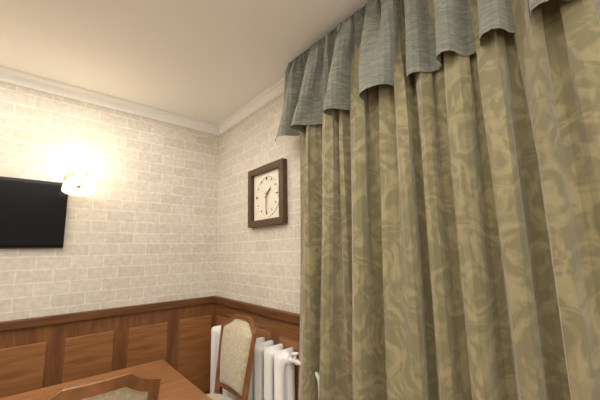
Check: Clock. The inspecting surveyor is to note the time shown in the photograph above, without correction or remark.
1:30
